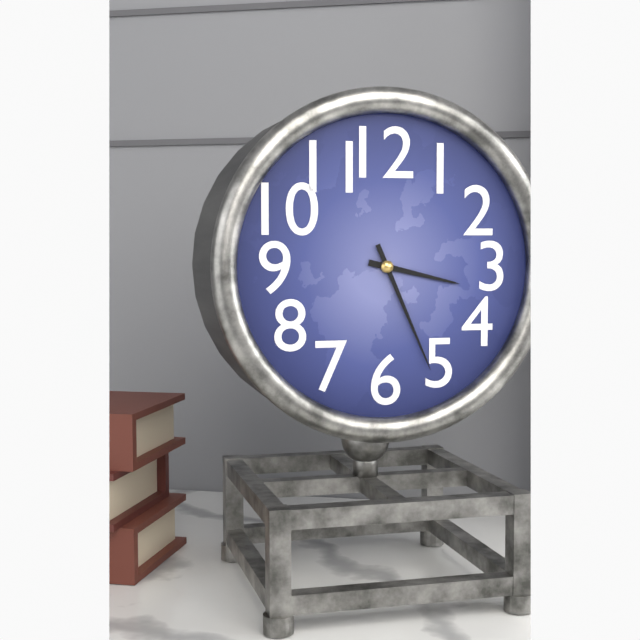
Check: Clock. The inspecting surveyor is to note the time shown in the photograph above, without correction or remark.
3:26
